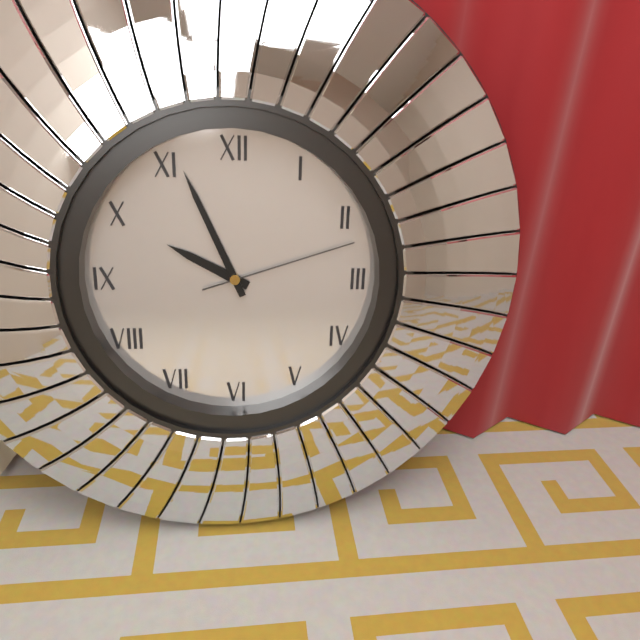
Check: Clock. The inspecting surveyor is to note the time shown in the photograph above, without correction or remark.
9:56:12
